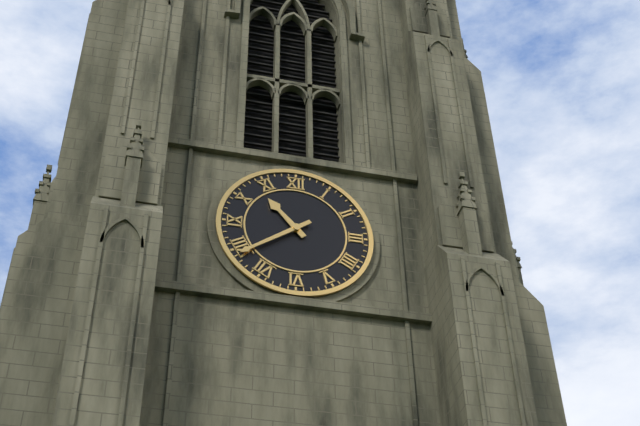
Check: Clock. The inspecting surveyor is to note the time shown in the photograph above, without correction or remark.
10:39
